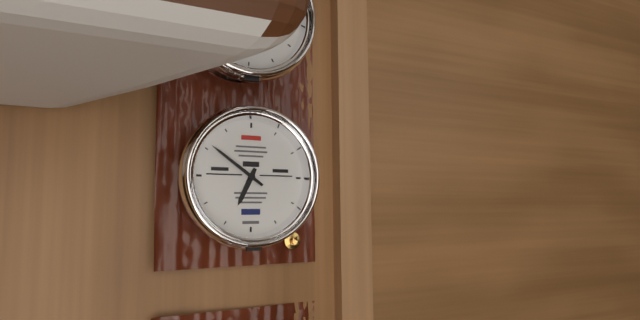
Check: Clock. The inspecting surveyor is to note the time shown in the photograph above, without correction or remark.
6:51
